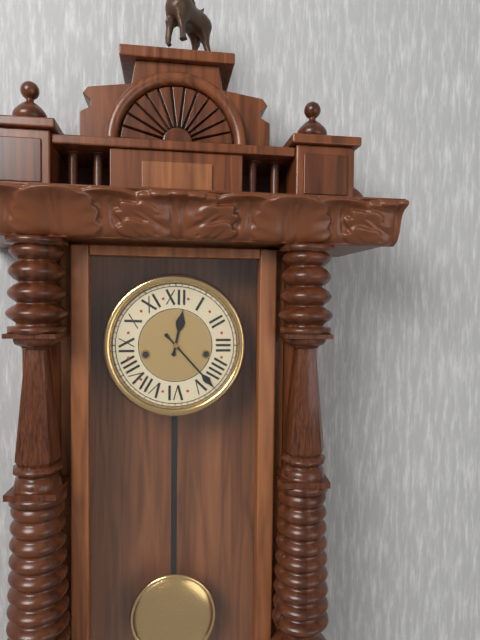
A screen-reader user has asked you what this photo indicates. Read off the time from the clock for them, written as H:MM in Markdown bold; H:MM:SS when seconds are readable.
**12:23**
